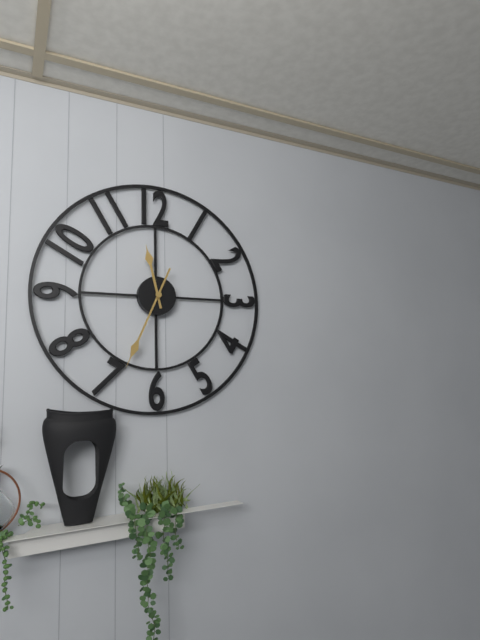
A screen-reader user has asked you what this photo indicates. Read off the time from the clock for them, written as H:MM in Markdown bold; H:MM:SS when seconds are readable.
**11:34**
